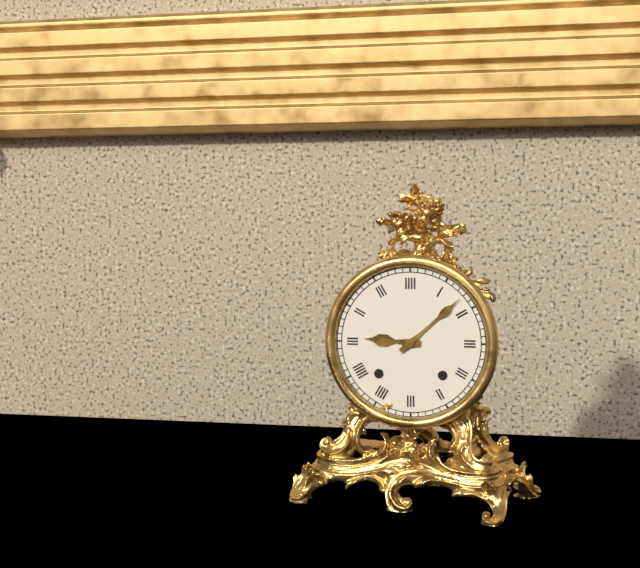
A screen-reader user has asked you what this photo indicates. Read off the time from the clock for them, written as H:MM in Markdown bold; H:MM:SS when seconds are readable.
**9:08**
